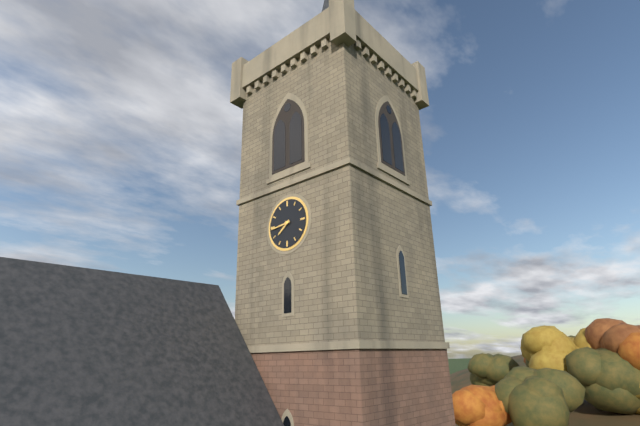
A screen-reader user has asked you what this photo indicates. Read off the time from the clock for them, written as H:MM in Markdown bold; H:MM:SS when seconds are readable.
**7:44**
